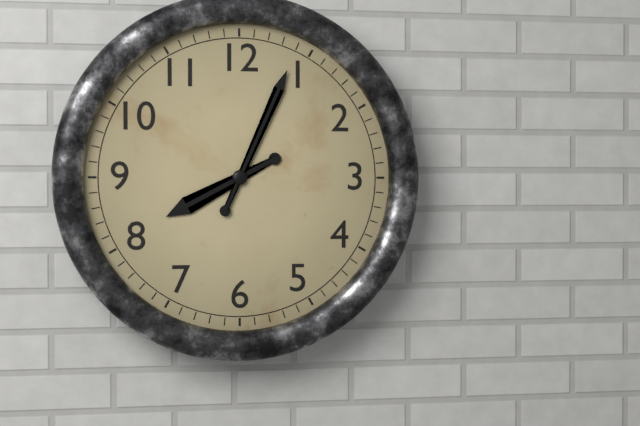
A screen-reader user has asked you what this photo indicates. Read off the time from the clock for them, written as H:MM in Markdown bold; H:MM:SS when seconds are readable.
**8:04**
